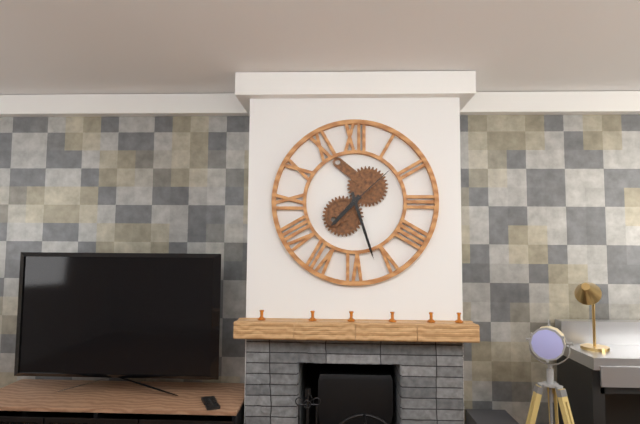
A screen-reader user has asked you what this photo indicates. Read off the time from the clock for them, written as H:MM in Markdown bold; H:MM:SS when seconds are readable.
**7:27:08**
